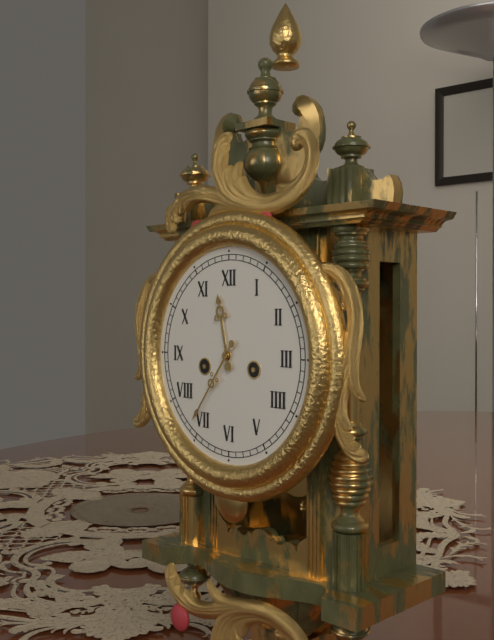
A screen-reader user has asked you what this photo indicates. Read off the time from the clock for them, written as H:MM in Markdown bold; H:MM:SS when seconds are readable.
**11:36**
